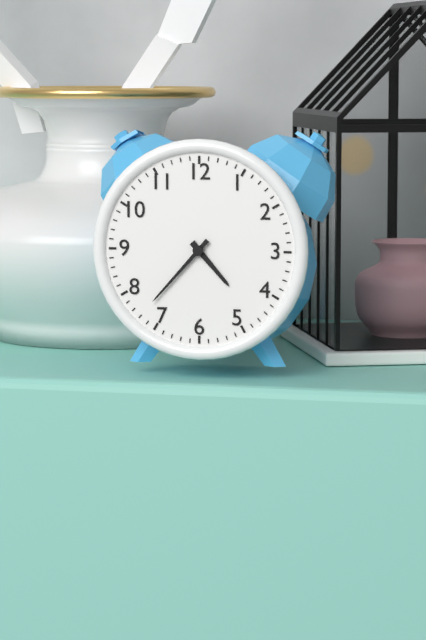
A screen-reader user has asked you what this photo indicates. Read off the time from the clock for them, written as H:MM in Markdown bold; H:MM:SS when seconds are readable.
**4:37**
